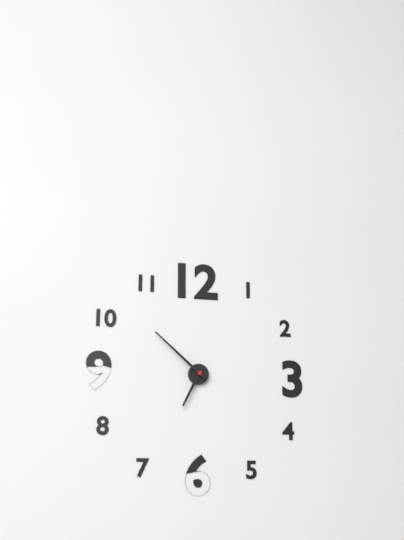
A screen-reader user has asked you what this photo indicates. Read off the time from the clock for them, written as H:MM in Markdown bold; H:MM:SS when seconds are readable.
**6:52**
